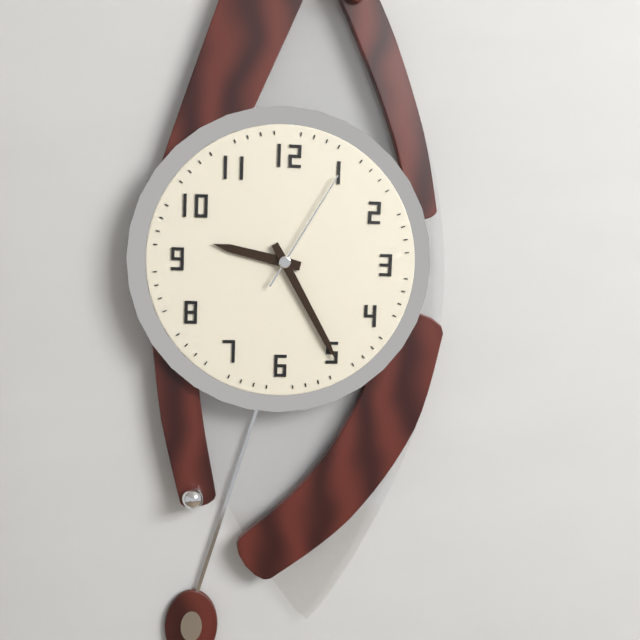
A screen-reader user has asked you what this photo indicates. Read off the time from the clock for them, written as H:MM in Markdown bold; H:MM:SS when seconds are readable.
**9:25:05**
